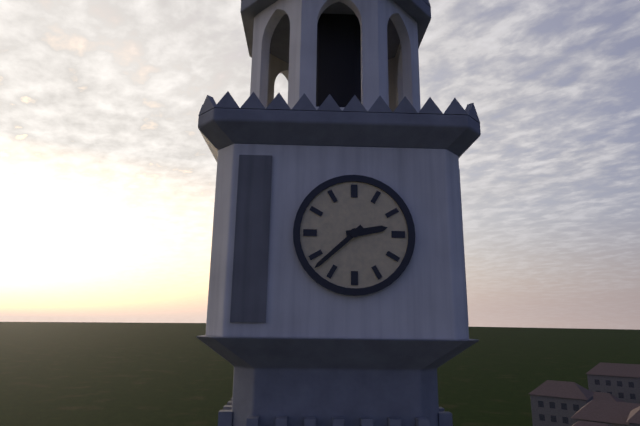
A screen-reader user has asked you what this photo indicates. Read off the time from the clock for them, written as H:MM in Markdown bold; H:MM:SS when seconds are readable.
**2:38**
